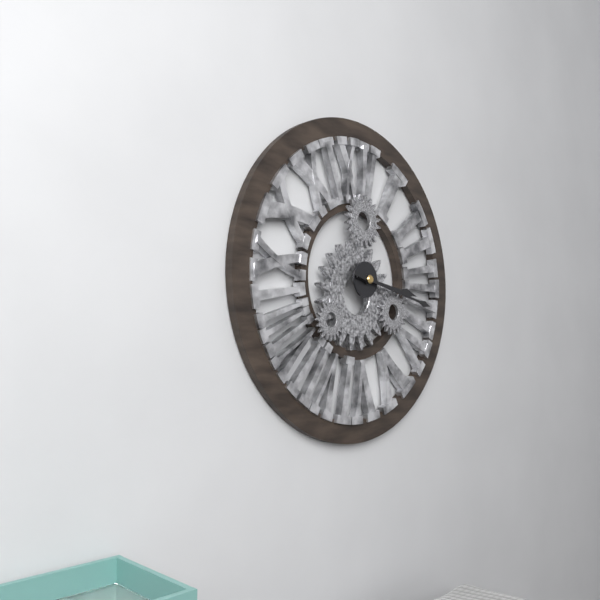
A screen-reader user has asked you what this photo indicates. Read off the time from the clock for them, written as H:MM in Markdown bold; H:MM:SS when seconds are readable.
**3:17**
